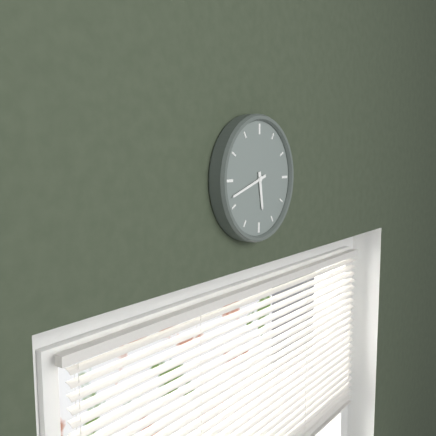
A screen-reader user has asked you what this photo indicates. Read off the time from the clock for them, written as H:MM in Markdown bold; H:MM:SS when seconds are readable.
**5:42**
